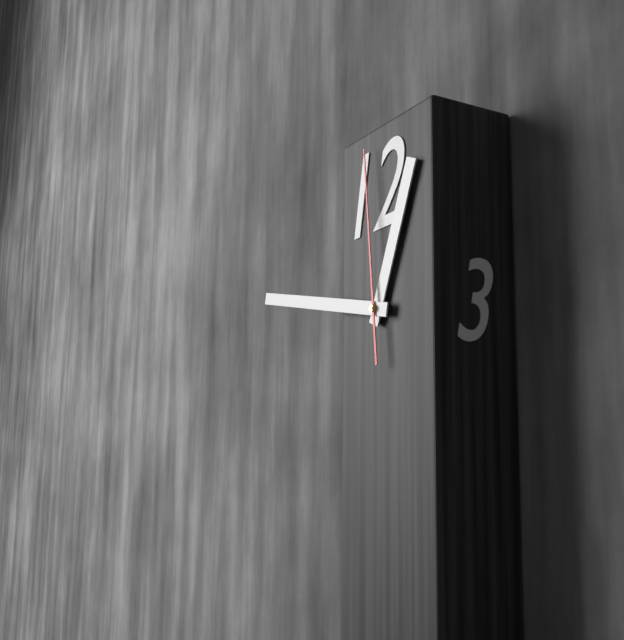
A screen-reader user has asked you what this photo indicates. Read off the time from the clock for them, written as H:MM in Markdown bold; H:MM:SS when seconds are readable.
**12:47:59**
